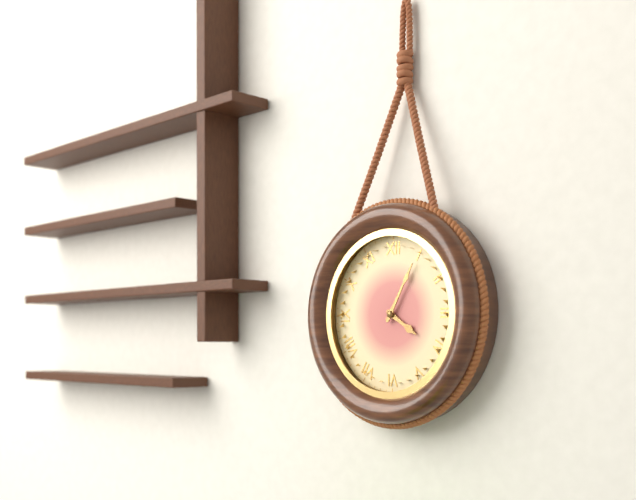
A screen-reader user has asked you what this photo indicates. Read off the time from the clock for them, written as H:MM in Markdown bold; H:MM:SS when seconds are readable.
**4:05**
